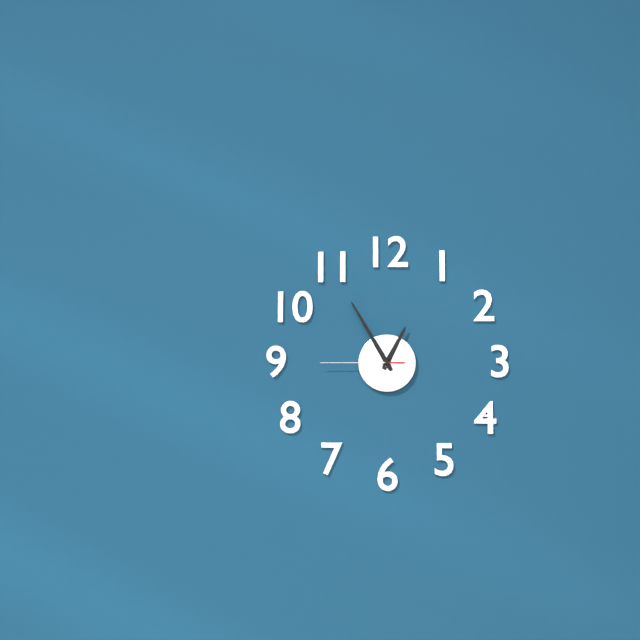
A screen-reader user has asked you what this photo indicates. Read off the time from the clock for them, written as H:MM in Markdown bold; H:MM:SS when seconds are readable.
**12:55:45**
